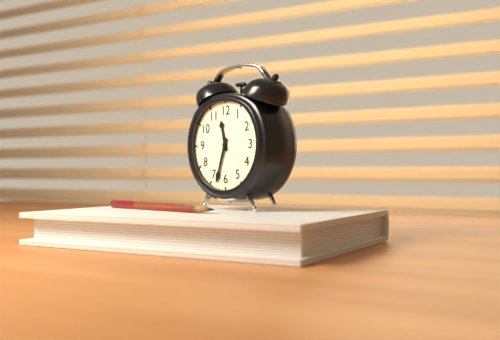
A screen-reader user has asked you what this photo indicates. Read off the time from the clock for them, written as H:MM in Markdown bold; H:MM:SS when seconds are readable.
**11:33**
